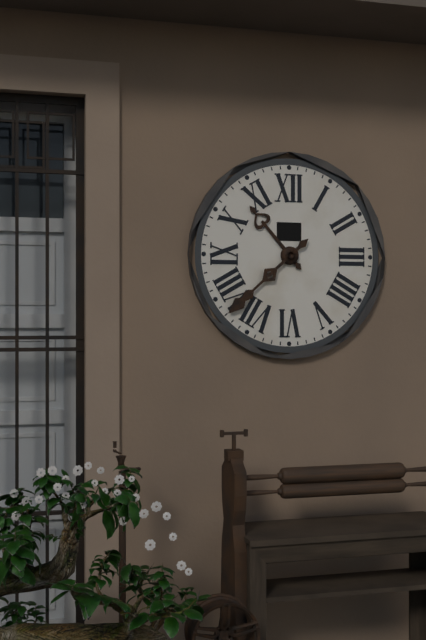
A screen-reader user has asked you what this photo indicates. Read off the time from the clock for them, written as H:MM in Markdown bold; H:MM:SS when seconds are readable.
**10:38**
